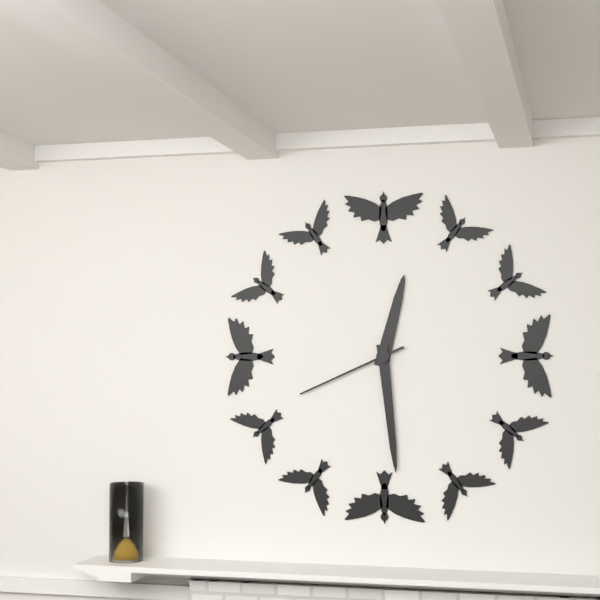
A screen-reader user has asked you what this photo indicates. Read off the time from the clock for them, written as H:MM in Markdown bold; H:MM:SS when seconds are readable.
**12:29:41**
